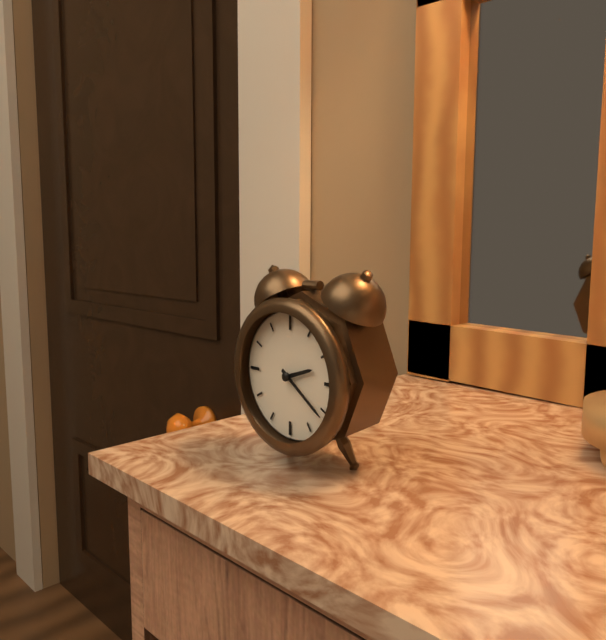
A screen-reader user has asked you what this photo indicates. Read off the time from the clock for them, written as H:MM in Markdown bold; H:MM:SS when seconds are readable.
**2:21**
